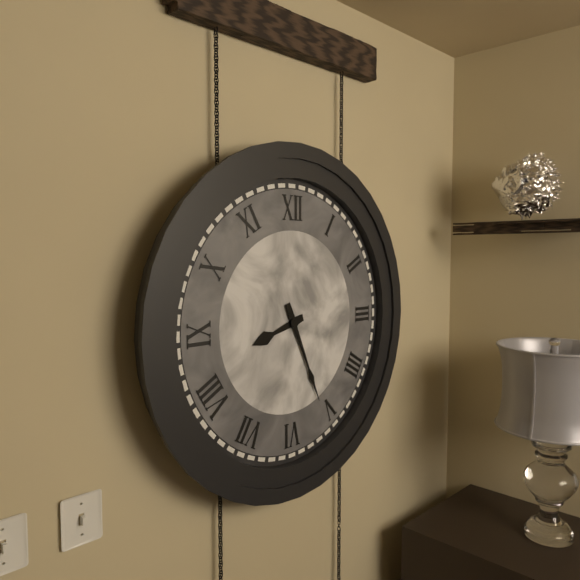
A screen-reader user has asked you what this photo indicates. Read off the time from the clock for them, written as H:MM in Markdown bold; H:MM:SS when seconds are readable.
**8:26**
